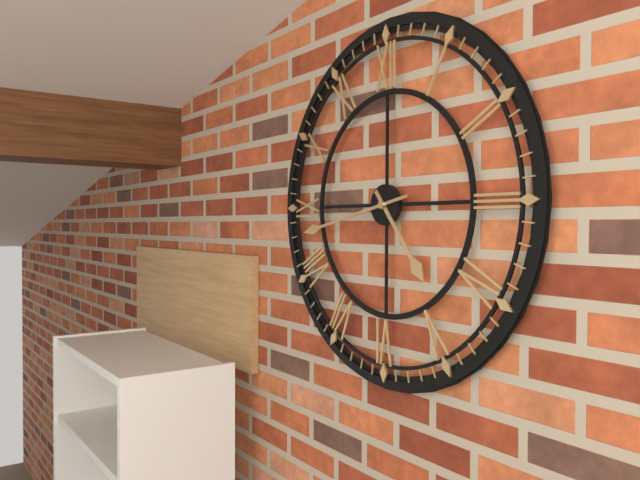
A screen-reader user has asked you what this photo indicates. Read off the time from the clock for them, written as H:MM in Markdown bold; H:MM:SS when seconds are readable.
**4:43**
